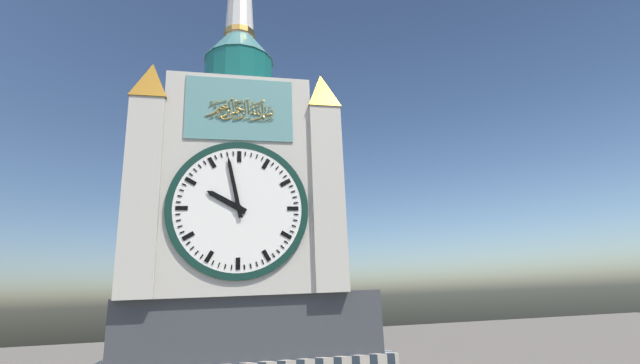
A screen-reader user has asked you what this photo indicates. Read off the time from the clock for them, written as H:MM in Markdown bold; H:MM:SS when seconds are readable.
**9:58**
